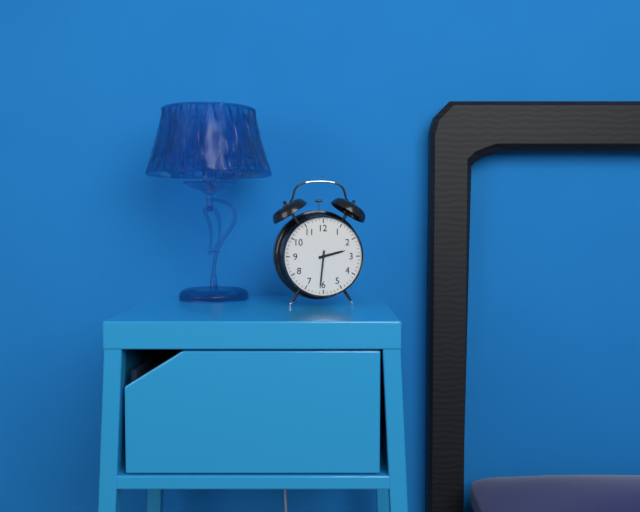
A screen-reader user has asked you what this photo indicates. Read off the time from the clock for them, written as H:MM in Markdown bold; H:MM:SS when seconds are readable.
**2:31**
